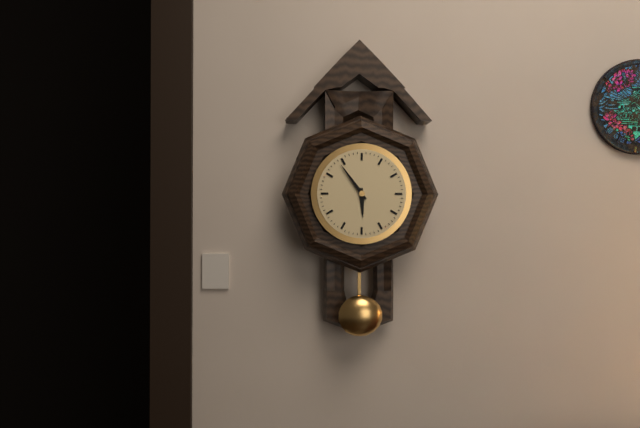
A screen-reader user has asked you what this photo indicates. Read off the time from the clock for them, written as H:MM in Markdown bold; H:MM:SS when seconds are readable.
**5:54**
